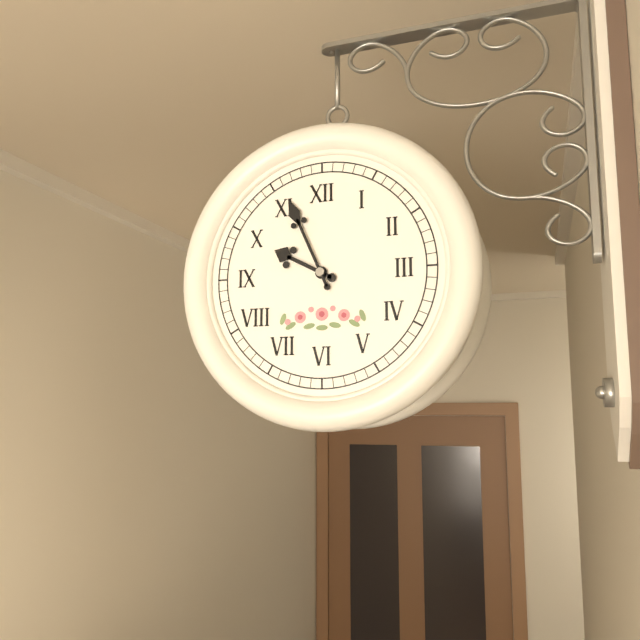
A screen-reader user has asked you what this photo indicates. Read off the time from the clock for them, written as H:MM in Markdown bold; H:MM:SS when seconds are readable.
**9:56**
